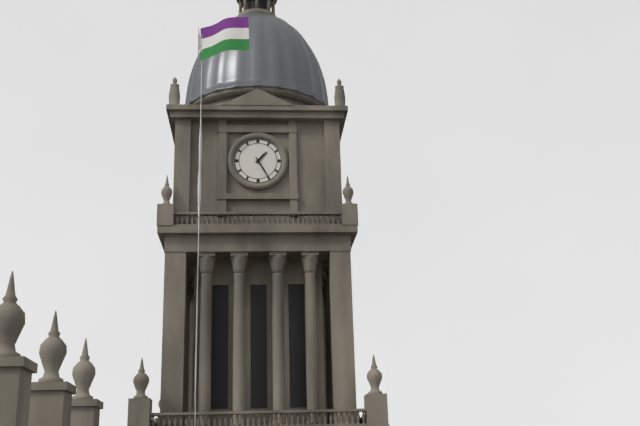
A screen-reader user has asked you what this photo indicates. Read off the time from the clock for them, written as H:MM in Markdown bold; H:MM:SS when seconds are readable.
**1:25**
